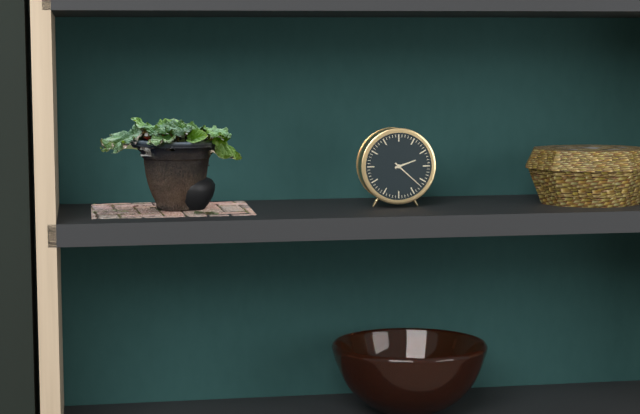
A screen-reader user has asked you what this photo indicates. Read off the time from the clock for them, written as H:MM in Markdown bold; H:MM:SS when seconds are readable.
**2:22**
